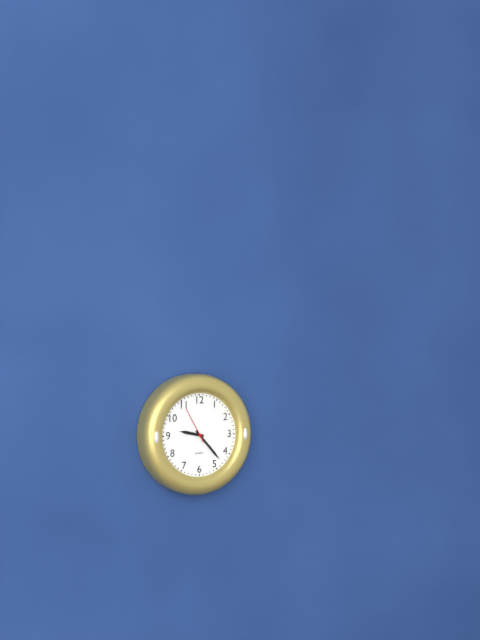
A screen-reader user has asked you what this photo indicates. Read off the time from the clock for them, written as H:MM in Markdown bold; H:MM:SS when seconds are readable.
**9:23**
